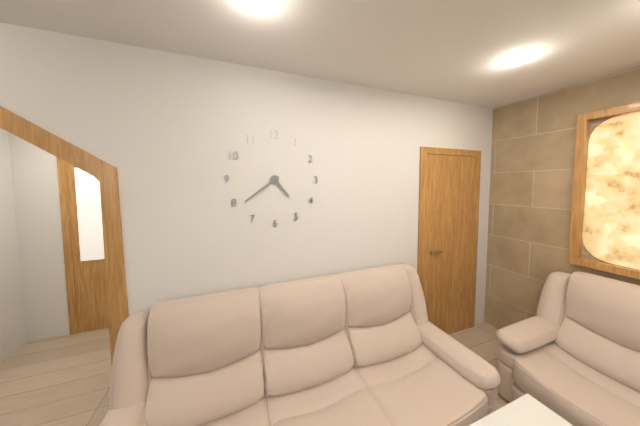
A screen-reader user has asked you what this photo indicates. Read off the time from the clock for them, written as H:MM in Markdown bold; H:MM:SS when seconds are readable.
**4:39**
